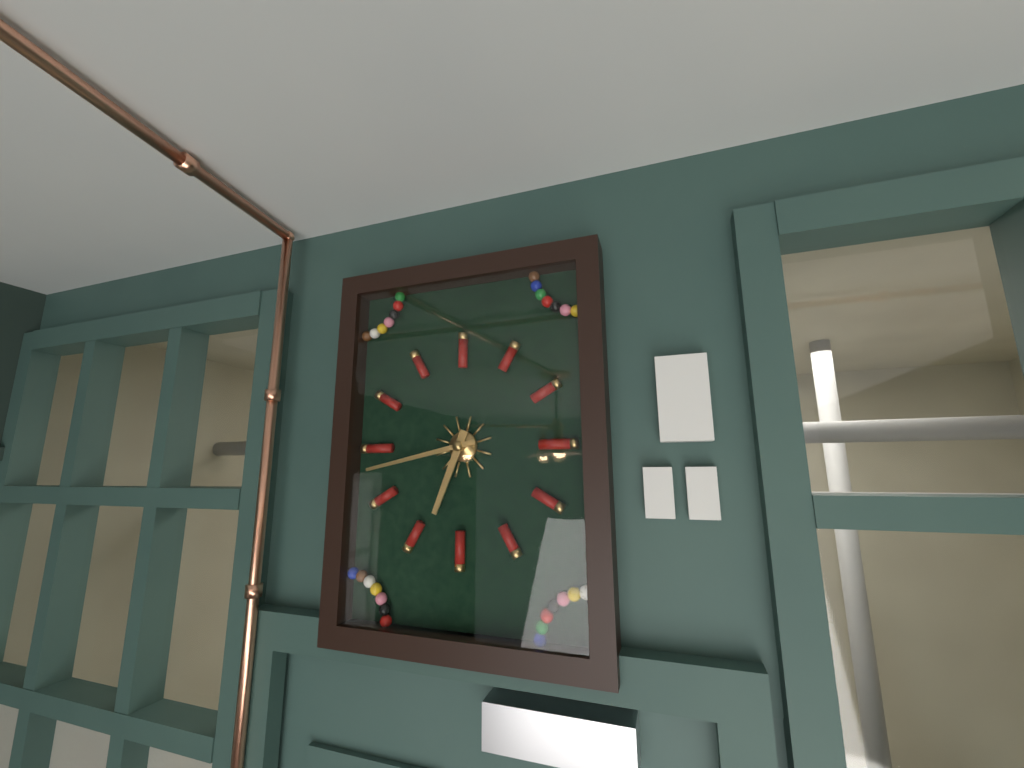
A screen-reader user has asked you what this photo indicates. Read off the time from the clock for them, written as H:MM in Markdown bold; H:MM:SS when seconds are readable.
**6:43**
